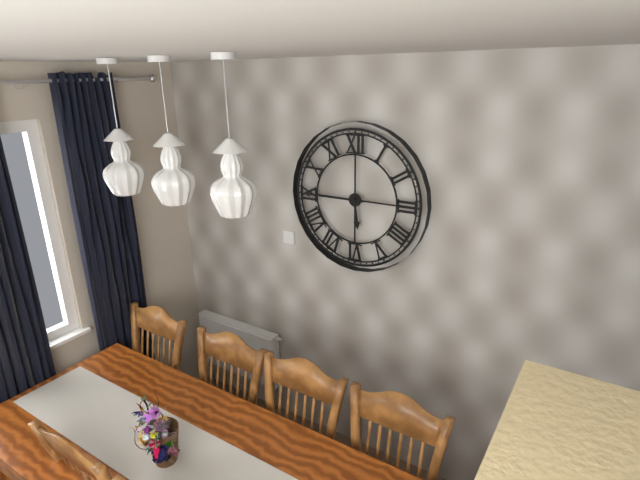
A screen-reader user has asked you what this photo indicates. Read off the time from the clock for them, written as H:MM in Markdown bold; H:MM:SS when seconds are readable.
**5:45**
